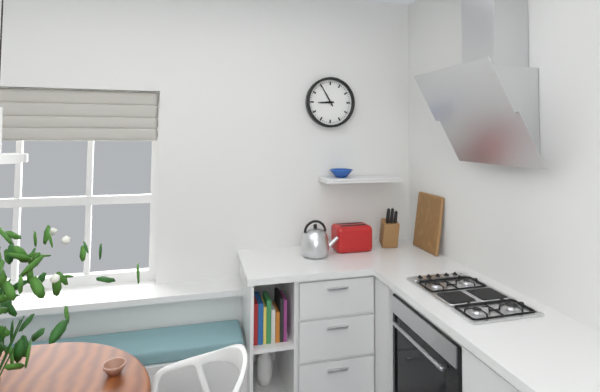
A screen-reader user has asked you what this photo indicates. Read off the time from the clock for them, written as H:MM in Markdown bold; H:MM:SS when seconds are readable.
**8:55**
